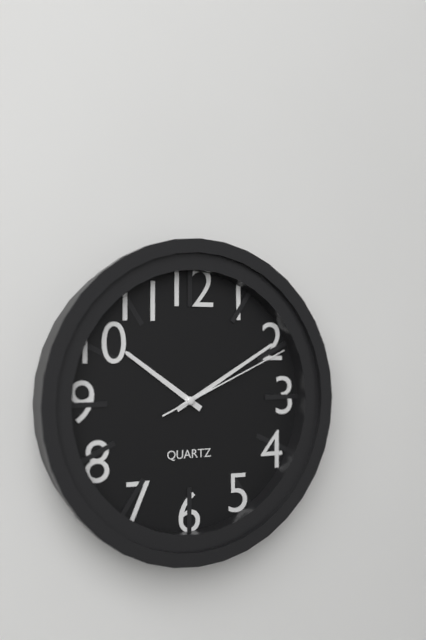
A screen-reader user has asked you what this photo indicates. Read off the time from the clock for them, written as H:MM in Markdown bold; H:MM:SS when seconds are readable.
**10:10:11**
